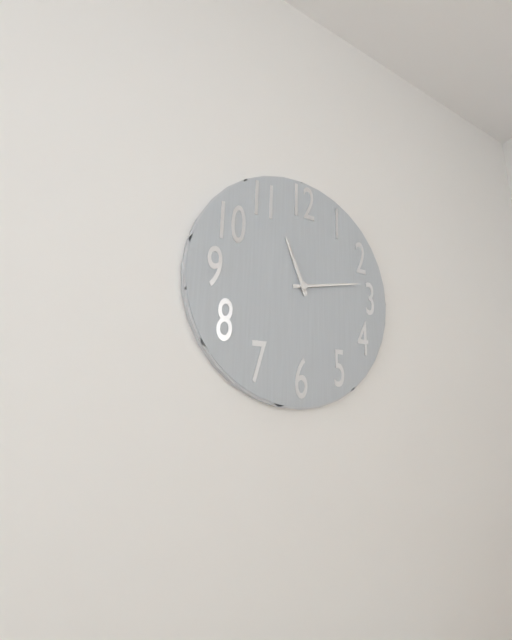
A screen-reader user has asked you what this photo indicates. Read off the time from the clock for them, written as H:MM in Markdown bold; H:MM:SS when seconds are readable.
**11:13**
